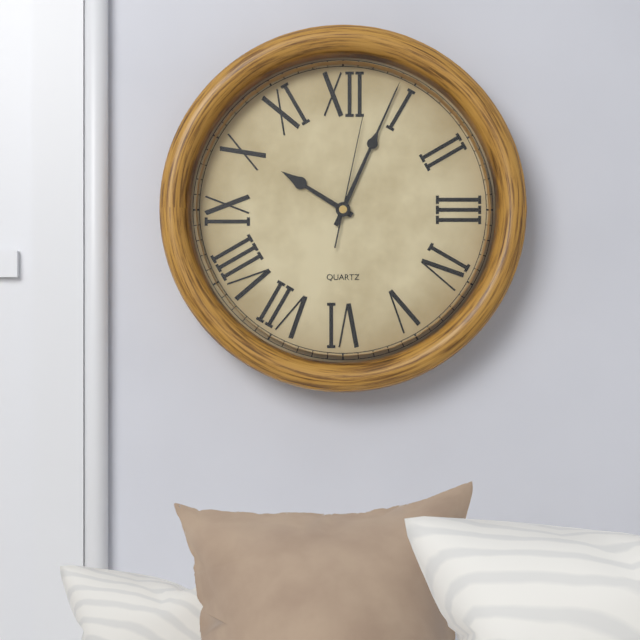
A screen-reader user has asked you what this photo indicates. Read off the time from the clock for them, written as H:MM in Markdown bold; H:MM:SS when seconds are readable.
**10:04:02**
